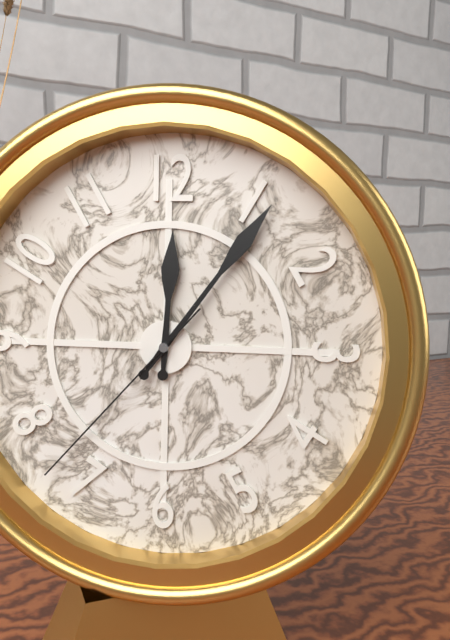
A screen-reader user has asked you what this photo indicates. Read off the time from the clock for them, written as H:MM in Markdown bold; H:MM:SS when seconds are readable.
**12:06:37**
